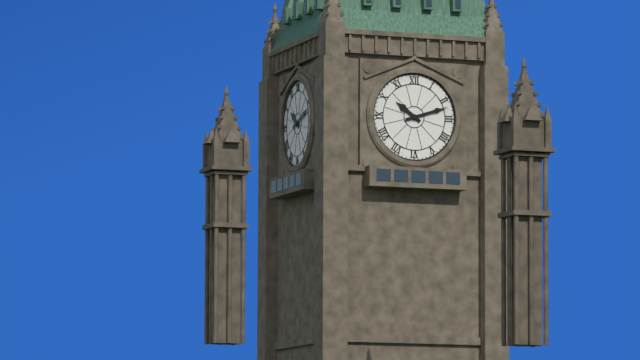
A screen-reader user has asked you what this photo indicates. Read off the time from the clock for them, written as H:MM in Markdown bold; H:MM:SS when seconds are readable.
**10:12**
